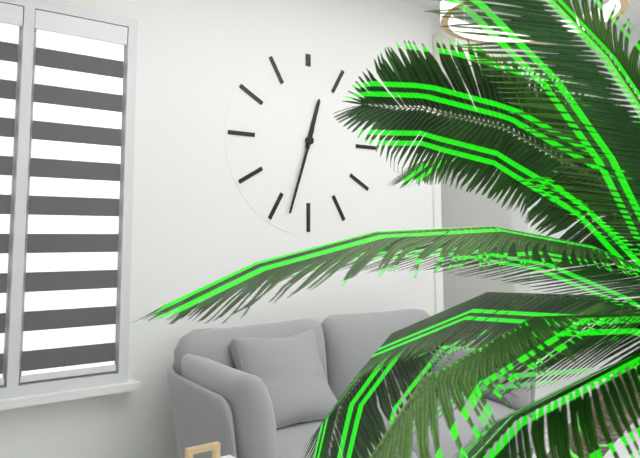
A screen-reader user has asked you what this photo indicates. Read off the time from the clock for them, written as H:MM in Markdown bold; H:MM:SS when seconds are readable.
**12:33**
